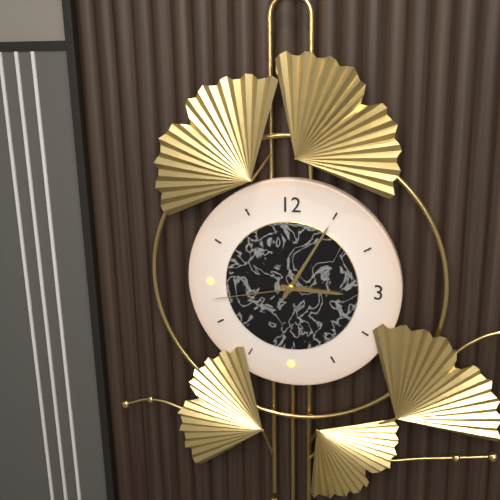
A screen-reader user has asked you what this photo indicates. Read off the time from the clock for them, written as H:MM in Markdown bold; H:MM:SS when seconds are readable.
**3:05:43**
